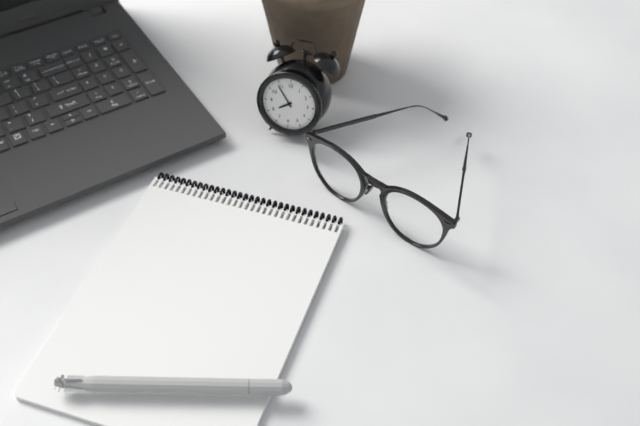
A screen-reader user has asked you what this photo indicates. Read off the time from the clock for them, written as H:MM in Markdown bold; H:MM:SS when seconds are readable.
**7:54**
